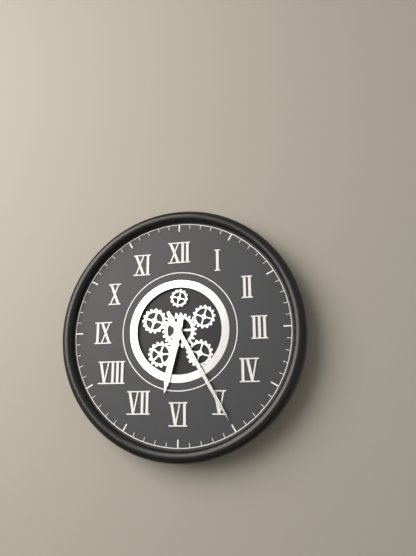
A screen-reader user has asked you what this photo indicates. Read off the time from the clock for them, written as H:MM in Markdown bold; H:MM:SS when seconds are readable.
**6:25**
